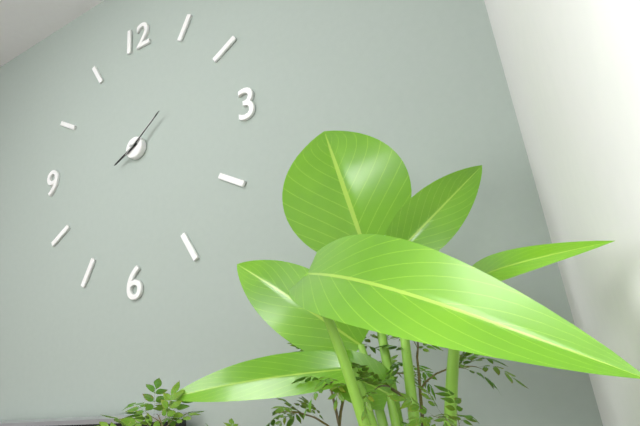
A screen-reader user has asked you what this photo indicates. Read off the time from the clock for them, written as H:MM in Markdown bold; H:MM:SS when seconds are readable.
**8:09**
